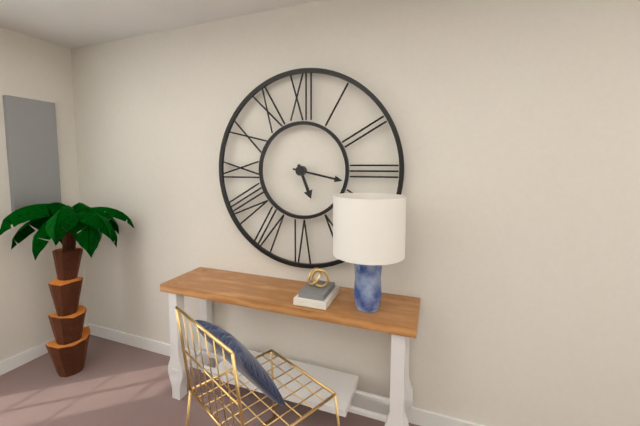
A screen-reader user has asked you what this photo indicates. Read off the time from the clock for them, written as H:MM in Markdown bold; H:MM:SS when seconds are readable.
**5:17**
